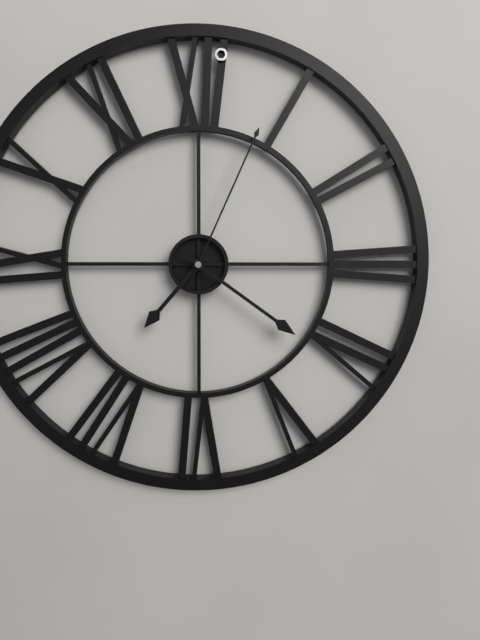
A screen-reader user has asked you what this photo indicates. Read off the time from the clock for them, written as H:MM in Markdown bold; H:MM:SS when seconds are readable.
**7:21:04**
